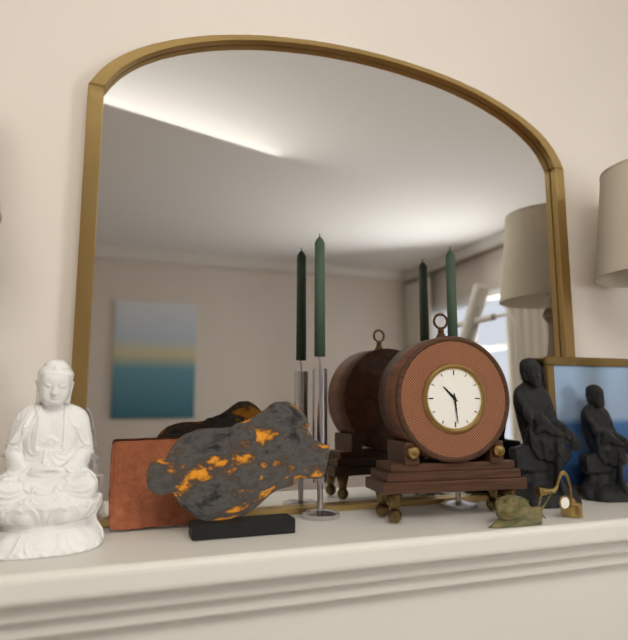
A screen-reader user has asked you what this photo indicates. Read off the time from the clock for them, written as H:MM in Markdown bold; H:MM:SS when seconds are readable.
**10:29**
